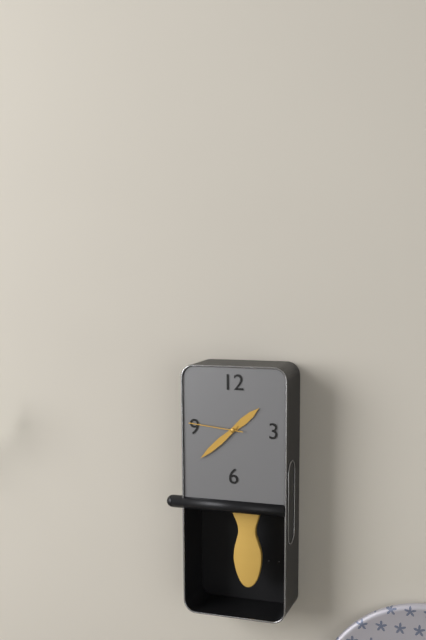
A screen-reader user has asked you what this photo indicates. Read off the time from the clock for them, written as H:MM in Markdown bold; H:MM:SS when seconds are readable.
**1:38:46**
